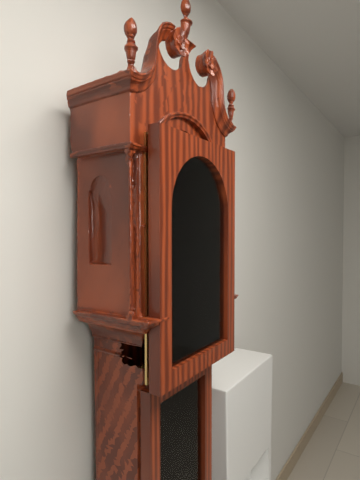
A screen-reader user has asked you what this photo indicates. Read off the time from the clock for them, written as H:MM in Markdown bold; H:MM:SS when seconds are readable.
**3:57**
